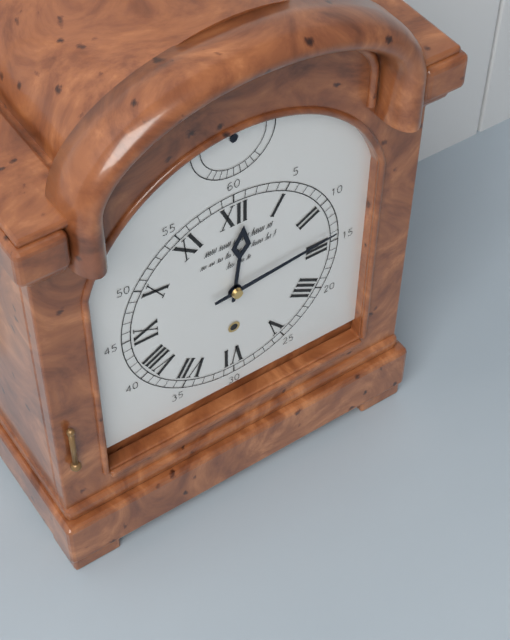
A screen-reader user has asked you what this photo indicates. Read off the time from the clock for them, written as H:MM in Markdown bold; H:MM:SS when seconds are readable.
**12:14**
